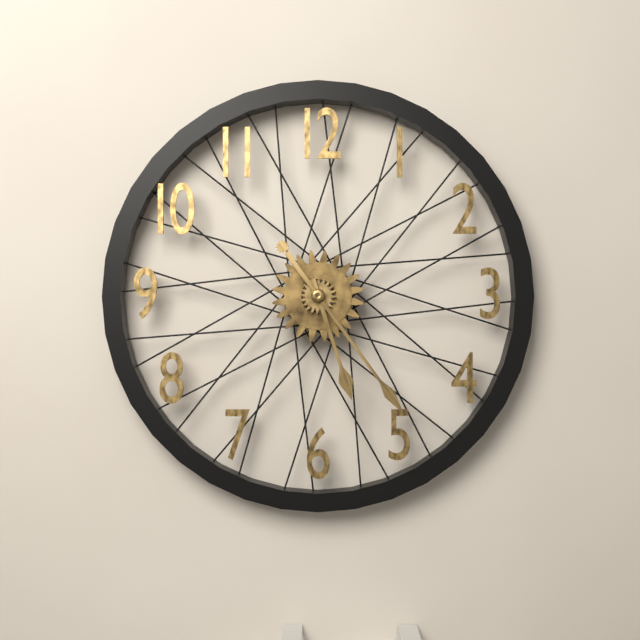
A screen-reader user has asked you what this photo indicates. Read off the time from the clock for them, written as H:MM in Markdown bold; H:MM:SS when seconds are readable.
**5:24**
